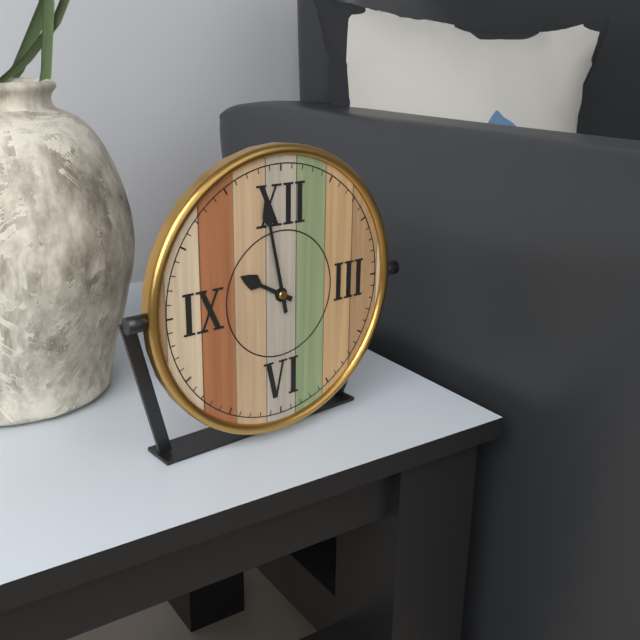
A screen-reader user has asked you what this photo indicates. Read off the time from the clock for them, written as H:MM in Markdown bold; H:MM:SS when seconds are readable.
**9:58**
